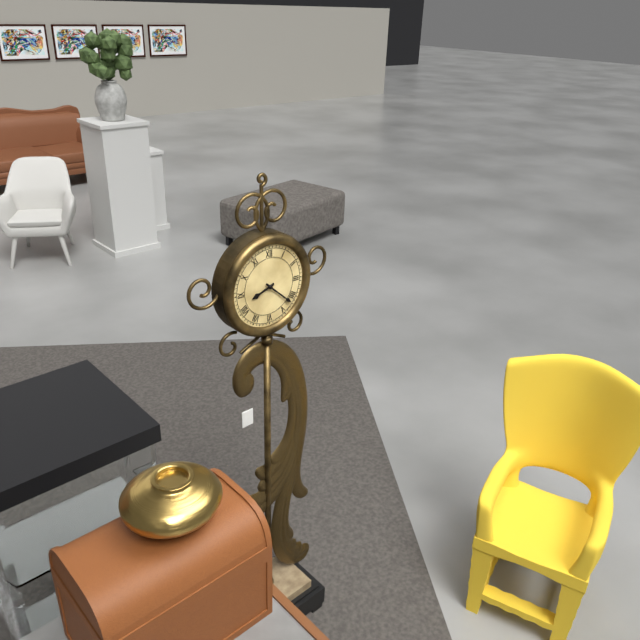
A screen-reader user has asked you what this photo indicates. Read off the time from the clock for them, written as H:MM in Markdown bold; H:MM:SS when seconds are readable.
**8:22**
